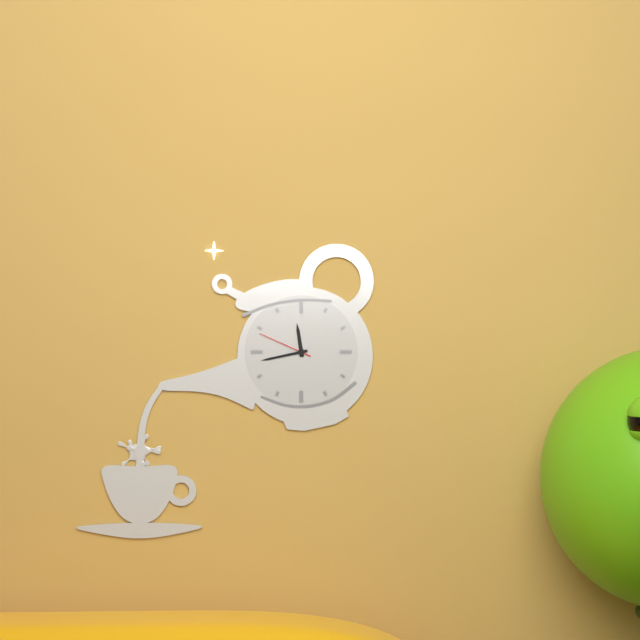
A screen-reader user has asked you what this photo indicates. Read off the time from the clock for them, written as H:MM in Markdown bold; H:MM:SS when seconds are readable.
**11:43:49**
